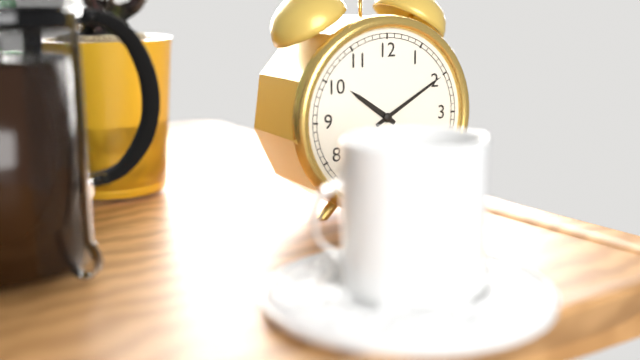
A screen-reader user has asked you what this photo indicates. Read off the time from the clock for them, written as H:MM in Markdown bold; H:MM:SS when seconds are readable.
**10:10**
